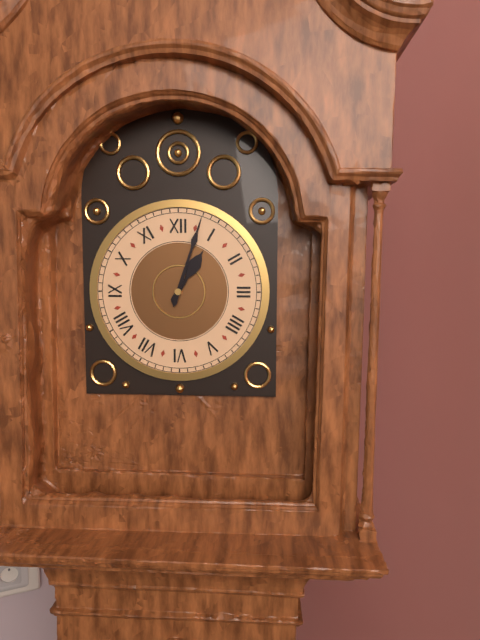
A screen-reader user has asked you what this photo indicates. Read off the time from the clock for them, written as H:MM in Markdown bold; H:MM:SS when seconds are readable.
**1:03**
